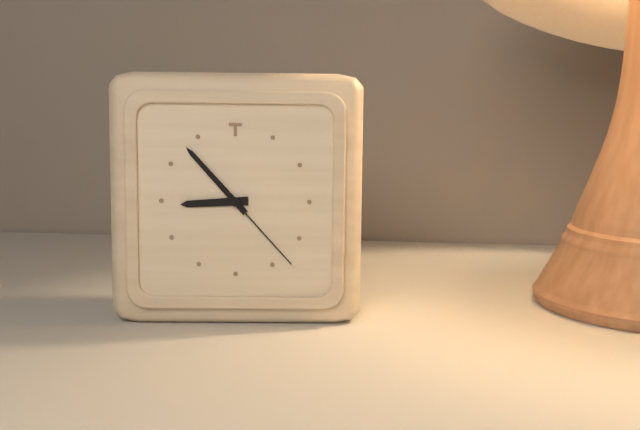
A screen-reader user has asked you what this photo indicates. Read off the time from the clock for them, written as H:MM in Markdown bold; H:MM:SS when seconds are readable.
**8:53:23**
